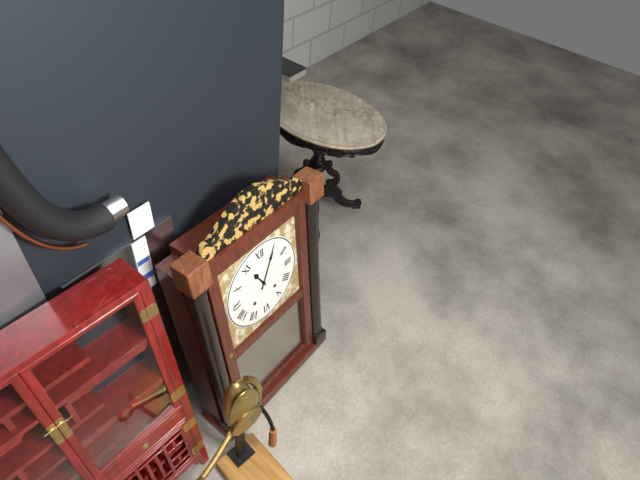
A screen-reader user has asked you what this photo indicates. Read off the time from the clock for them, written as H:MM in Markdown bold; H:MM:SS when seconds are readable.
**11:05**
